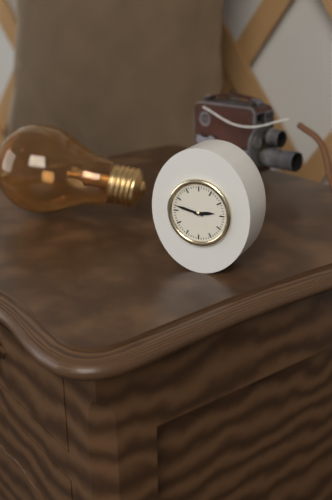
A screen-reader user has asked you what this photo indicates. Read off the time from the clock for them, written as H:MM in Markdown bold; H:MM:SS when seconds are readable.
**2:47**
